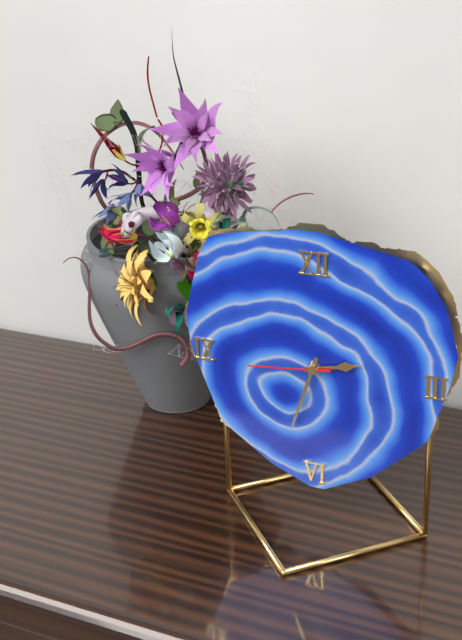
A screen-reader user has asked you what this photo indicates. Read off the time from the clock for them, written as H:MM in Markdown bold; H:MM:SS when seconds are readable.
**2:33:44**
